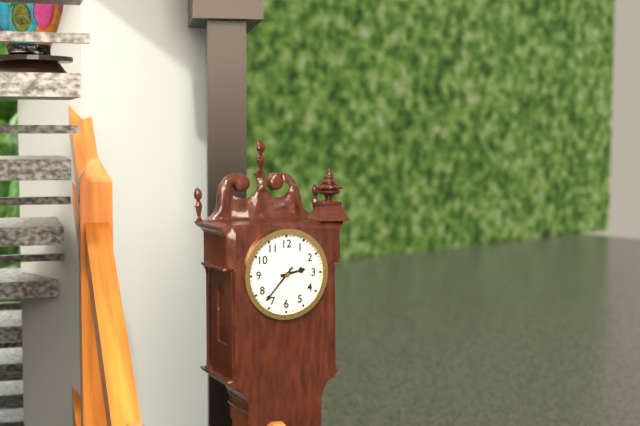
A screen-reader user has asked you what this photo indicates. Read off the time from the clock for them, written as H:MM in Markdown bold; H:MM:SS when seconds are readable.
**2:37**
